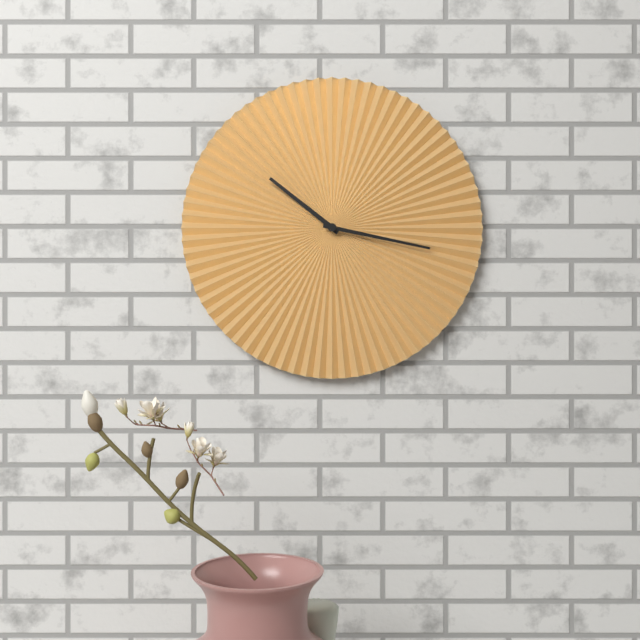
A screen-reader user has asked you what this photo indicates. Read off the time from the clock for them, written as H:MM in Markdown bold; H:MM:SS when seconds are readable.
**10:17**
